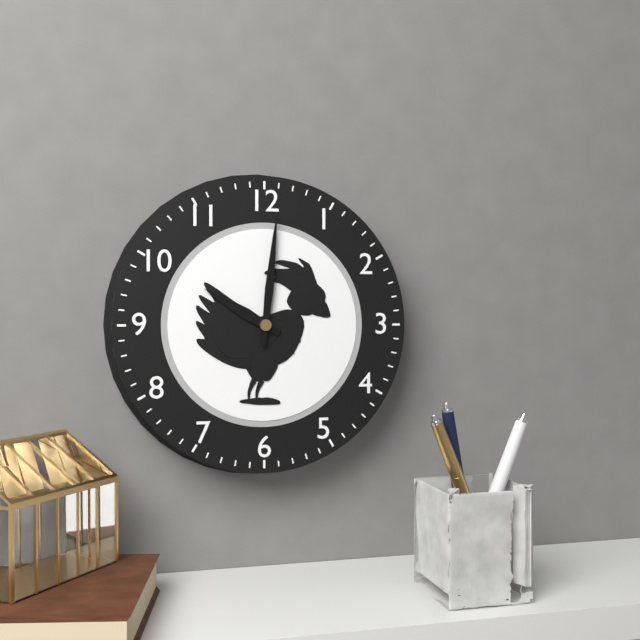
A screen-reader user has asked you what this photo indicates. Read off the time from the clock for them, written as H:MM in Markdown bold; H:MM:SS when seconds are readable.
**10:01**
